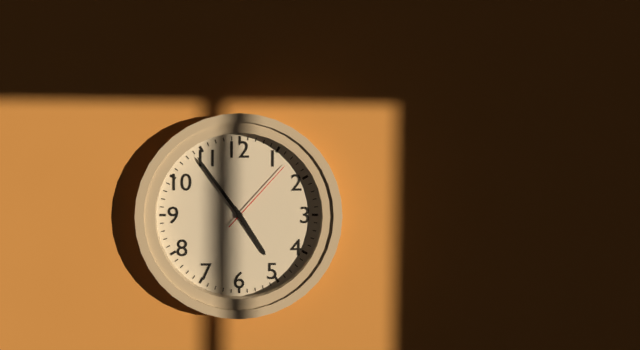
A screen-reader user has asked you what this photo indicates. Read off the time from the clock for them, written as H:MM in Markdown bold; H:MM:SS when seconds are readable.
**4:54:07**
